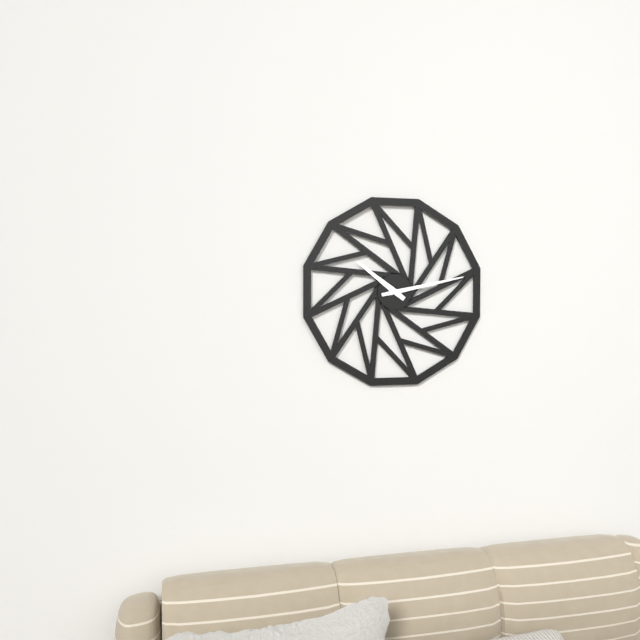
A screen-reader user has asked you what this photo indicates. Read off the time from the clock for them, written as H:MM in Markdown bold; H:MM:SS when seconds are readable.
**10:13**
